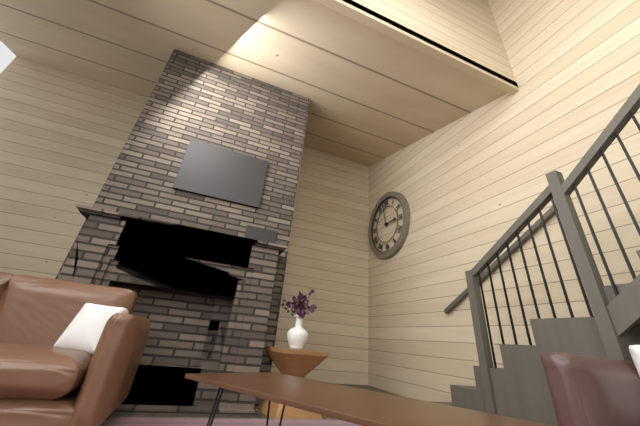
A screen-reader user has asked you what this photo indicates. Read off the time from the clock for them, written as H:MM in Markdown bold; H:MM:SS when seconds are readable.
**2:58**
